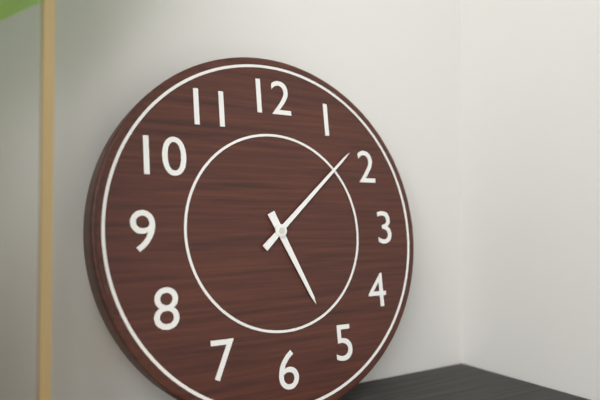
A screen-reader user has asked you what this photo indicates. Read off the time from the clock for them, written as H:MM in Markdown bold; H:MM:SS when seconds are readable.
**5:08**
